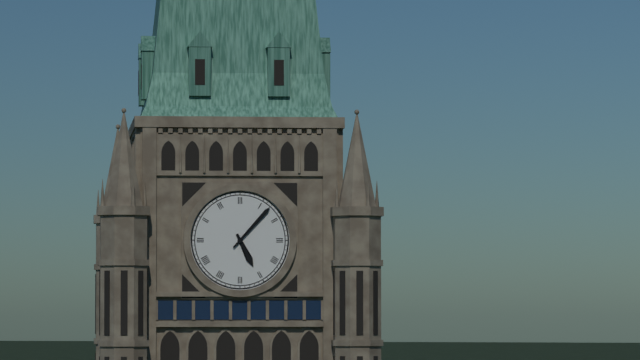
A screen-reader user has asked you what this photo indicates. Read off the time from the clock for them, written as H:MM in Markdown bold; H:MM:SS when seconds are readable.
**5:07**
